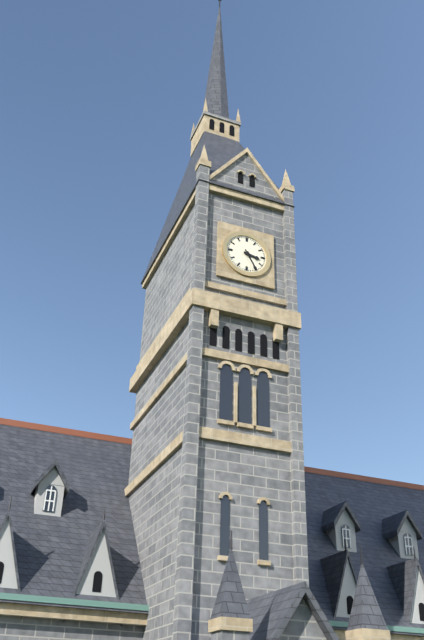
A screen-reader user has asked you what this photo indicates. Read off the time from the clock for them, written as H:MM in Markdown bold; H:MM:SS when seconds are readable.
**3:25**
